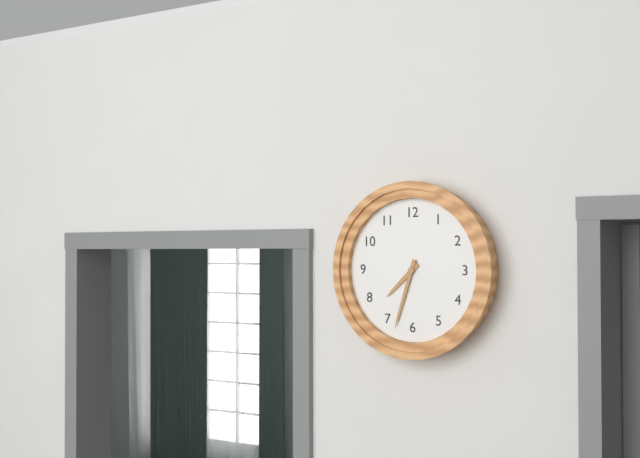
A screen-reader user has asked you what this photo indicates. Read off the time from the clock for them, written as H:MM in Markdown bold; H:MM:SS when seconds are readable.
**7:33**
